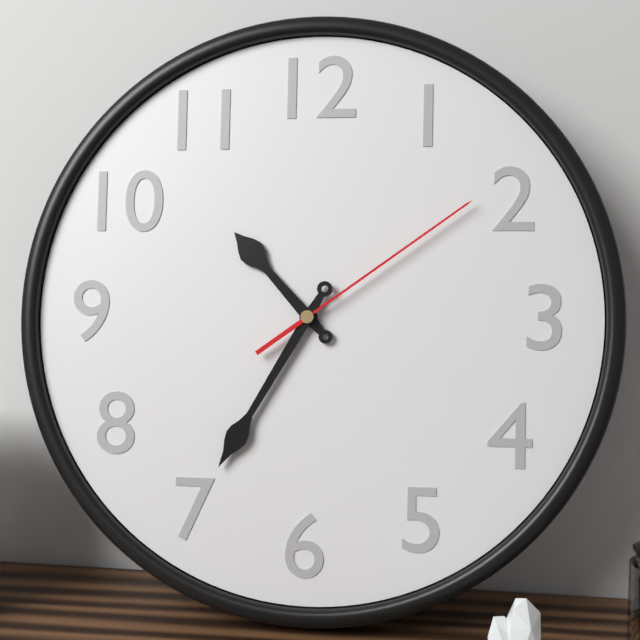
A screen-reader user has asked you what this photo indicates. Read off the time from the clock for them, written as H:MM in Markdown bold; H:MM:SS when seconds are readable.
**10:35:09**
